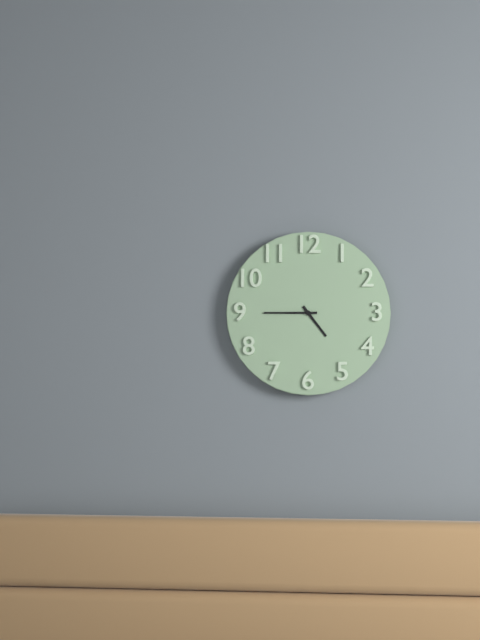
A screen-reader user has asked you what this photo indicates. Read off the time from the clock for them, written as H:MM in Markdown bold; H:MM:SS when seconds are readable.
**4:45**
